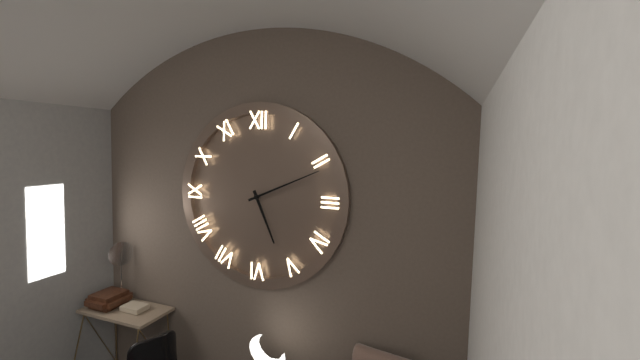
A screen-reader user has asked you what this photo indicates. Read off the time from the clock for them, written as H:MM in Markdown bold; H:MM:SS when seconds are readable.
**5:11**
